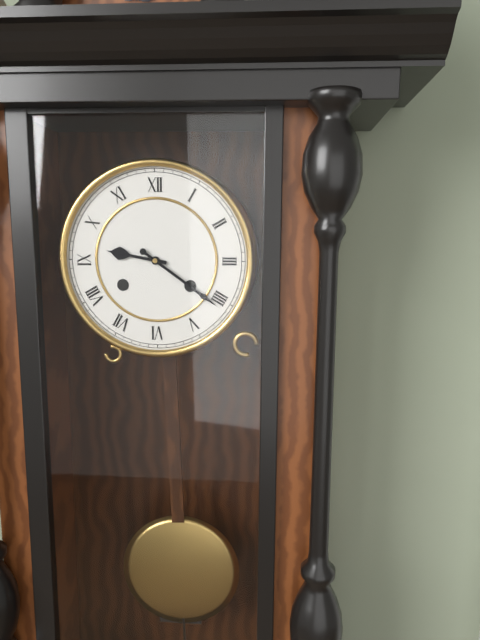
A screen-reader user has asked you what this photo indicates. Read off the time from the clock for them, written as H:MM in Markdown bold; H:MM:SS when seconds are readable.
**9:21**
